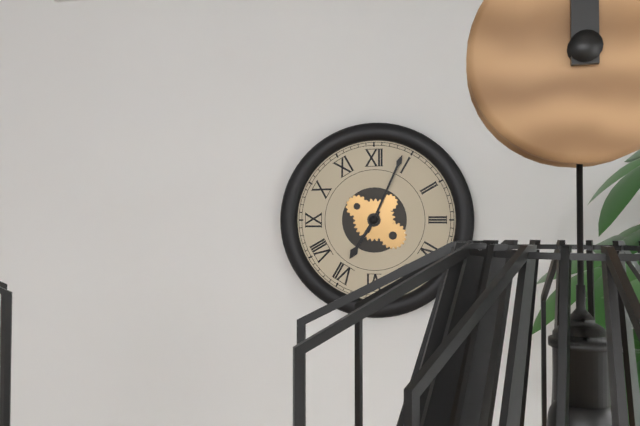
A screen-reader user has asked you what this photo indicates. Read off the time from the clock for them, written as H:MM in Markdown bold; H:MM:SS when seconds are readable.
**7:04**
